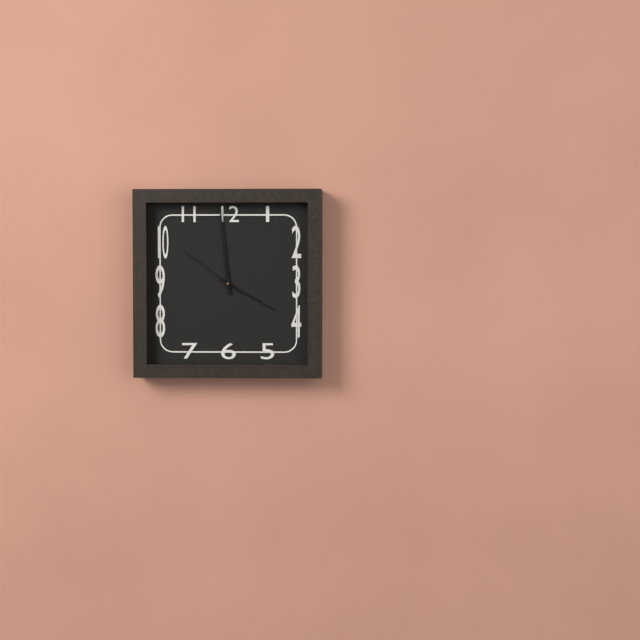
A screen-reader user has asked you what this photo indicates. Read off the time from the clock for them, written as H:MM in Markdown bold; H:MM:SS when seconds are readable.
**3:59:51**
